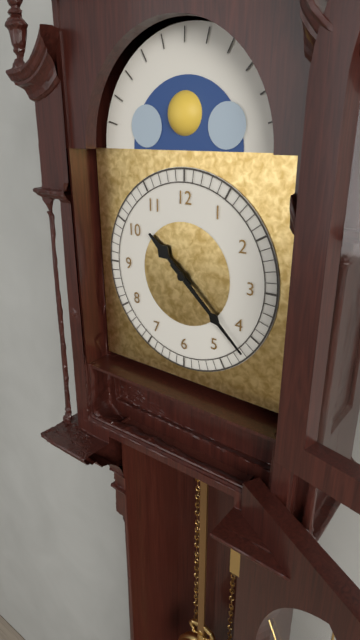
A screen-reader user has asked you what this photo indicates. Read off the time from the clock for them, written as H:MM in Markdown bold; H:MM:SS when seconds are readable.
**10:22**
